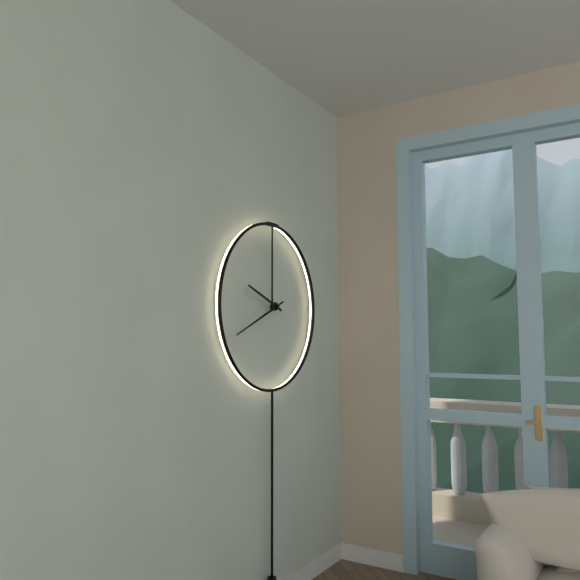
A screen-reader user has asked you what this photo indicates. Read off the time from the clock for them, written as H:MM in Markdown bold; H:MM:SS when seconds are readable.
**9:41**
